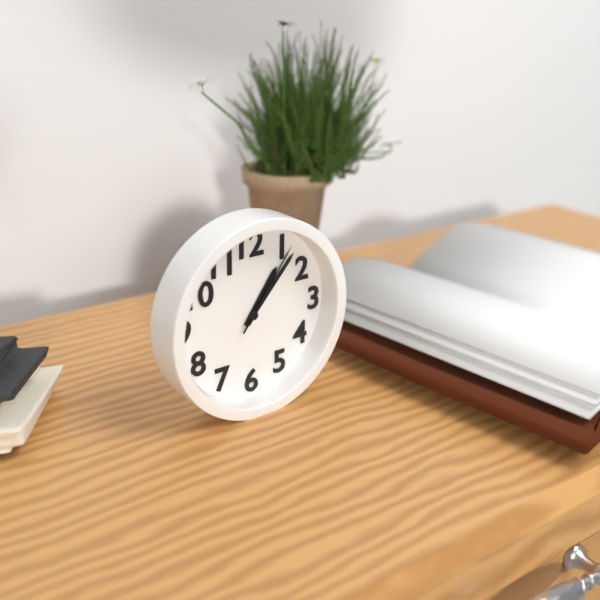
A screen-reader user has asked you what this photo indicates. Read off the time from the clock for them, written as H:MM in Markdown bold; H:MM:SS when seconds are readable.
**1:07:06**
